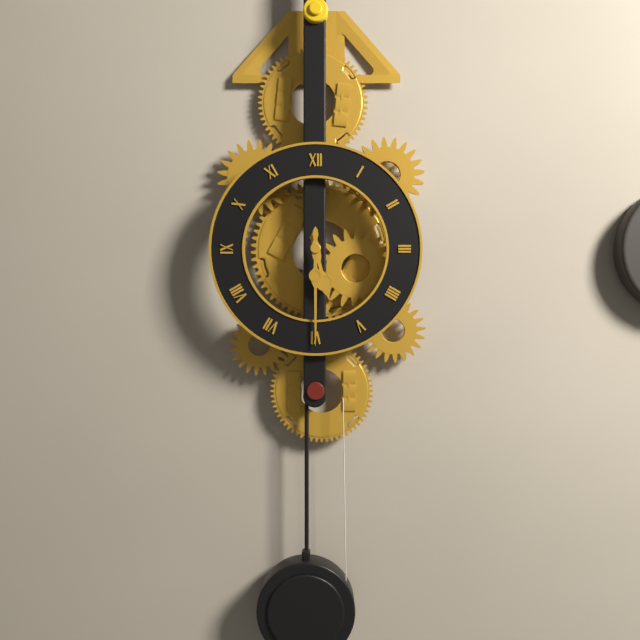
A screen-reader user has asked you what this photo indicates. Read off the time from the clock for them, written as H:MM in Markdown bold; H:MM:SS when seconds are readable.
**5:30**
